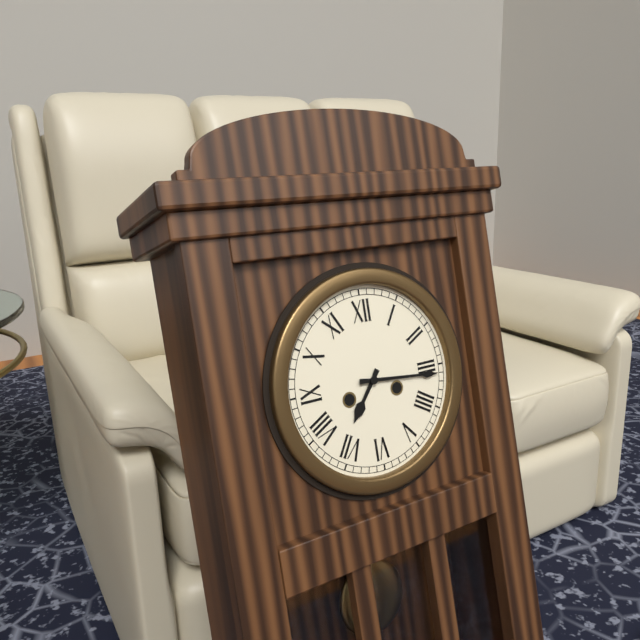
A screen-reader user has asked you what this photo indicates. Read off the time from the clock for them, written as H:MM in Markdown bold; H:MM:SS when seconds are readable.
**7:16**
